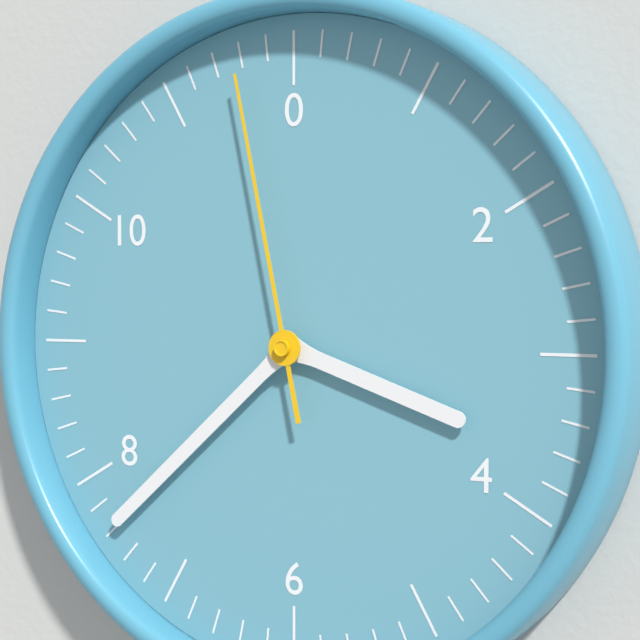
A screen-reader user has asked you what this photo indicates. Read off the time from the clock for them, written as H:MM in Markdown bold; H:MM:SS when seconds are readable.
**3:38:58**
